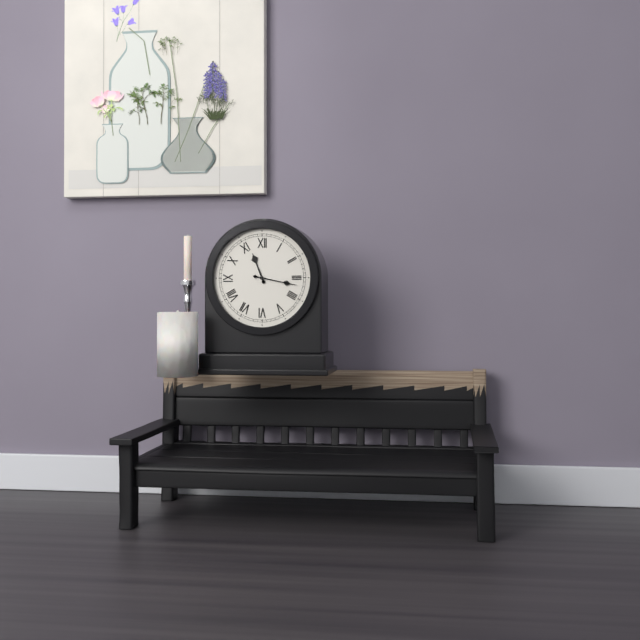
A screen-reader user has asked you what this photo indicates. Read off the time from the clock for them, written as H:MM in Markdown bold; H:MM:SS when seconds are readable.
**11:17**
